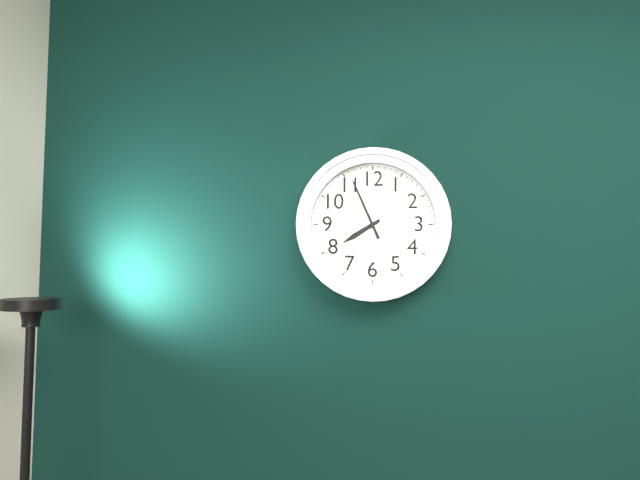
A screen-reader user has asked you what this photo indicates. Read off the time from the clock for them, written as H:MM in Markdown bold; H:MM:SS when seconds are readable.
**7:56**
